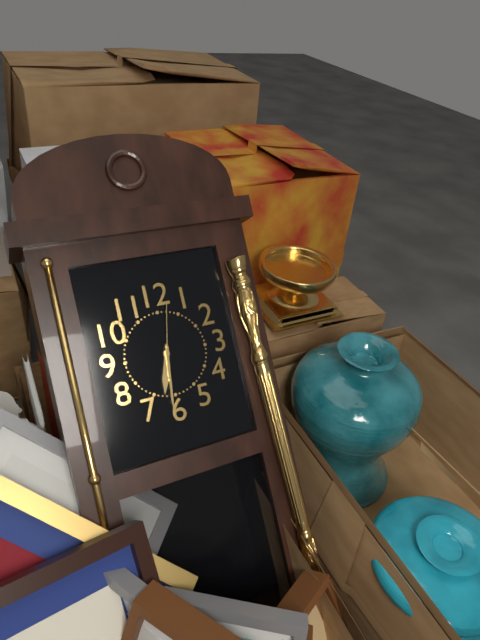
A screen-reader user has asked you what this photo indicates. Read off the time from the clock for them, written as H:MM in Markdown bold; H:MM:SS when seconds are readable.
**6:31:02**
